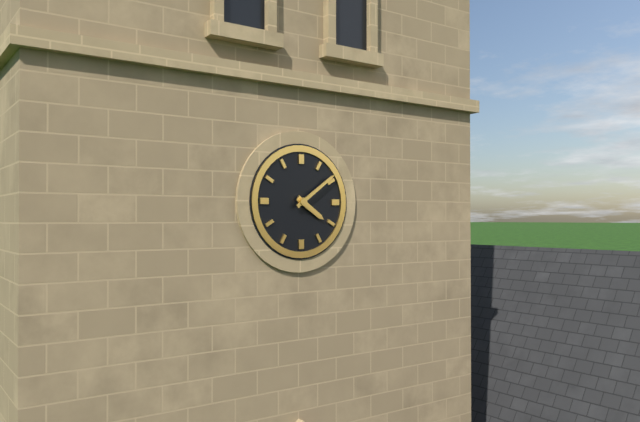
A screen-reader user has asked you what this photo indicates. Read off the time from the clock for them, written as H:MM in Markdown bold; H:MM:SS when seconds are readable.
**4:09**
